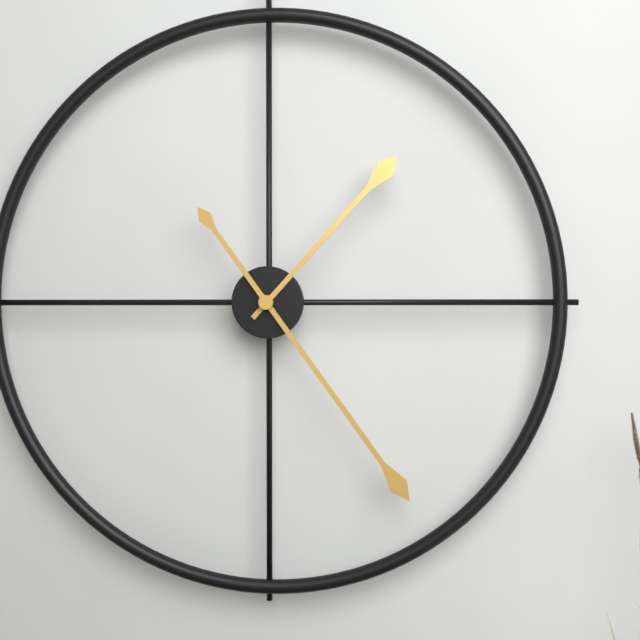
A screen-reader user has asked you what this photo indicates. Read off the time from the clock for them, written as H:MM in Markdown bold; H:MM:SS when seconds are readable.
**1:24**
